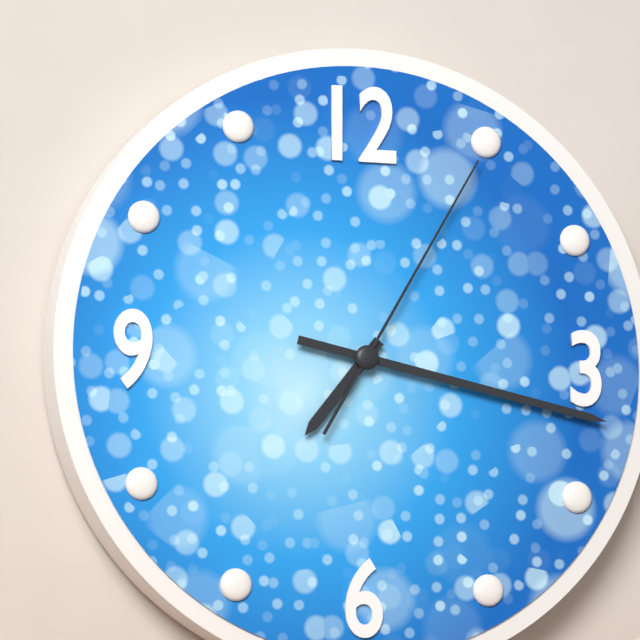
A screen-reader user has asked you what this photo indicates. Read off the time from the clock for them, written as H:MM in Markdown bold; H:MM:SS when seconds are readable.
**7:17:05**
